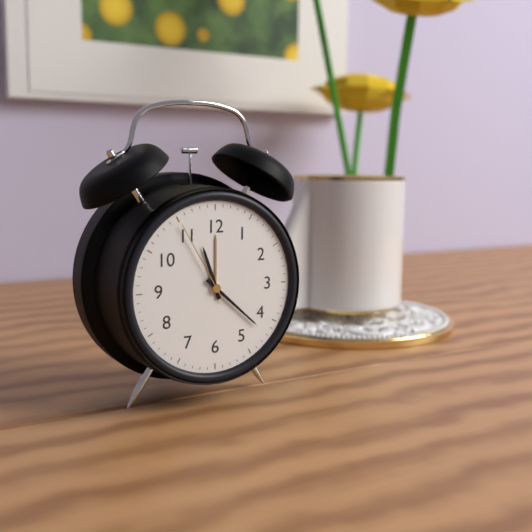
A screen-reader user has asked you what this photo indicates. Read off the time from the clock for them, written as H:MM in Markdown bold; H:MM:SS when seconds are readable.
**11:22:55**
